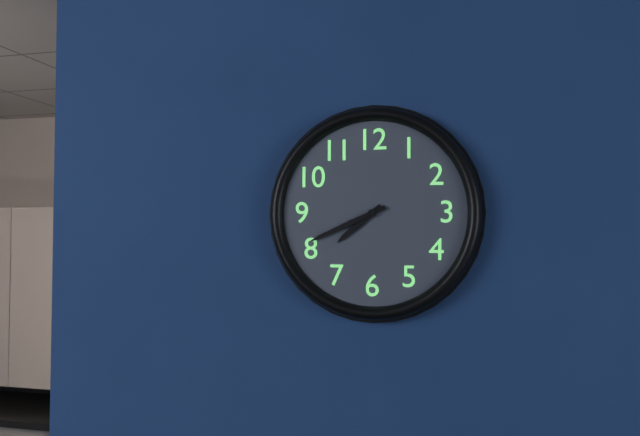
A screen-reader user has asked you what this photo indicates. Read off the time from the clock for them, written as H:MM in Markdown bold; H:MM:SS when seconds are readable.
**7:41**
